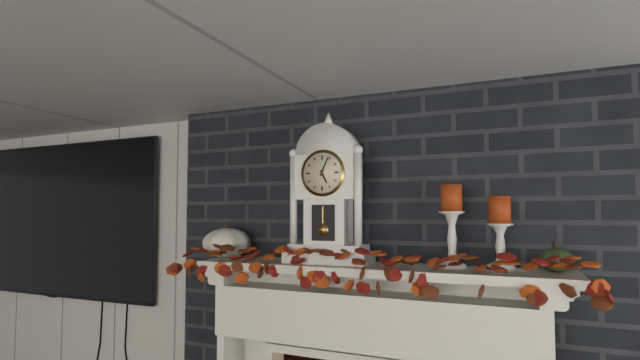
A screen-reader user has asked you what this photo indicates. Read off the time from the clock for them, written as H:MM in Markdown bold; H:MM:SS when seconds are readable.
**5:04**
